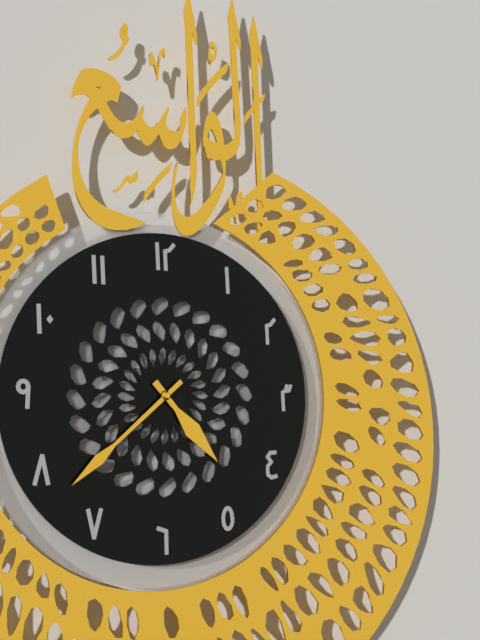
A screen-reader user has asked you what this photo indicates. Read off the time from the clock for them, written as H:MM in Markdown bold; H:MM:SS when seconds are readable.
**4:38**
